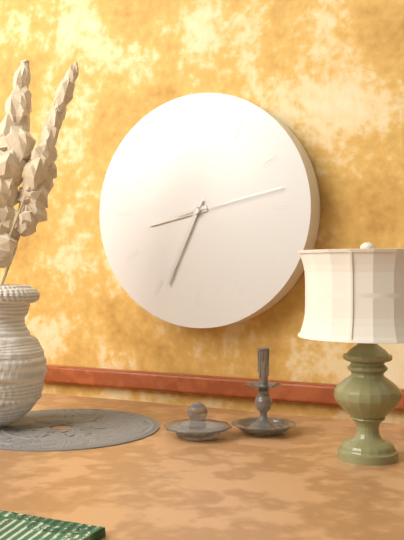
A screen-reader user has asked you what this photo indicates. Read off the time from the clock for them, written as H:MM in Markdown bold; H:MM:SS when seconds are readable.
**8:34:13**
